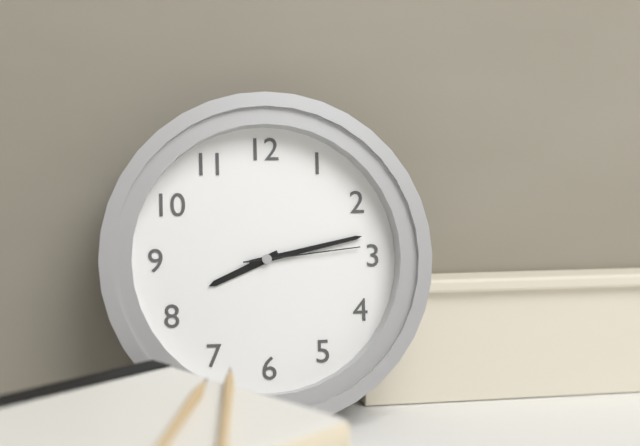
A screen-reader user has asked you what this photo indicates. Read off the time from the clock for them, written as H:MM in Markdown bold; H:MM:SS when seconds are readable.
**8:13:14**
